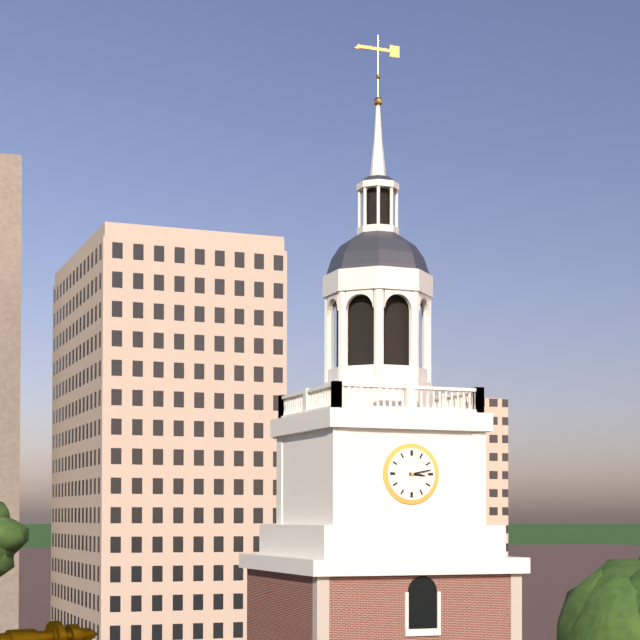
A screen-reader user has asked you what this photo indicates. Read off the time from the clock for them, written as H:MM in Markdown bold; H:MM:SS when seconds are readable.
**3:13**
